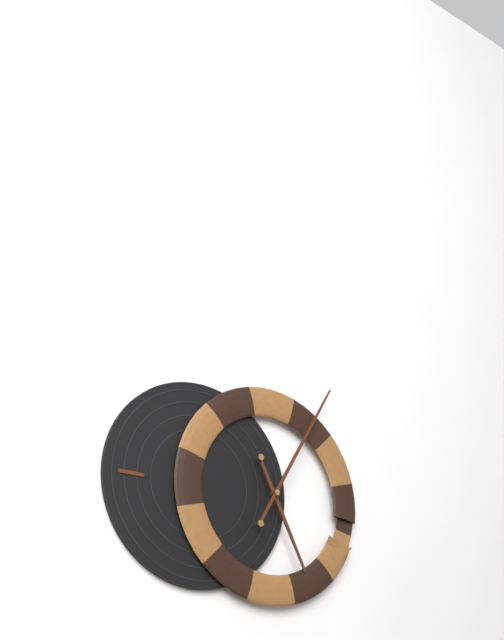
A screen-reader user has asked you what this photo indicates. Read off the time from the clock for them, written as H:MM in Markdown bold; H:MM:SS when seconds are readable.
**5:05**
